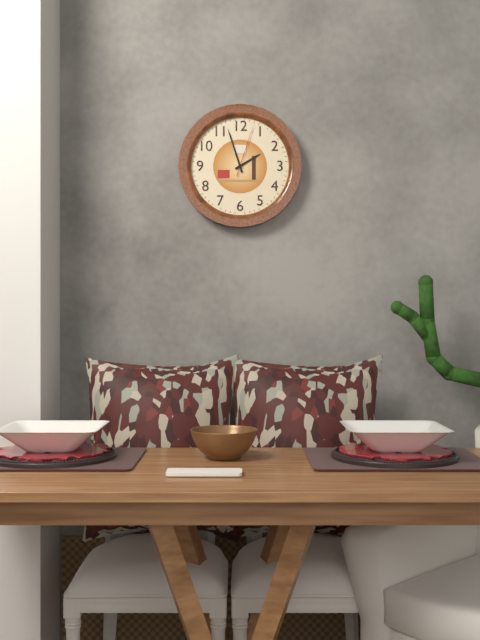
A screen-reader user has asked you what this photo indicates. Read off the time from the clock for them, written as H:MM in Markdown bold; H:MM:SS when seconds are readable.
**1:57:03**
